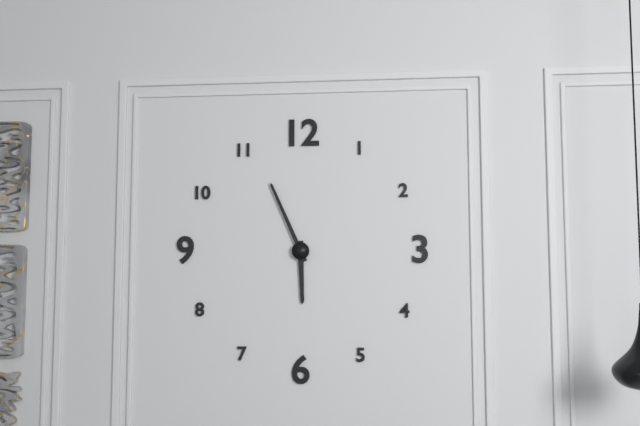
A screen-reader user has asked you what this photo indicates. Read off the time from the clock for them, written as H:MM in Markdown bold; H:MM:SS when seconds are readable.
**5:56**
